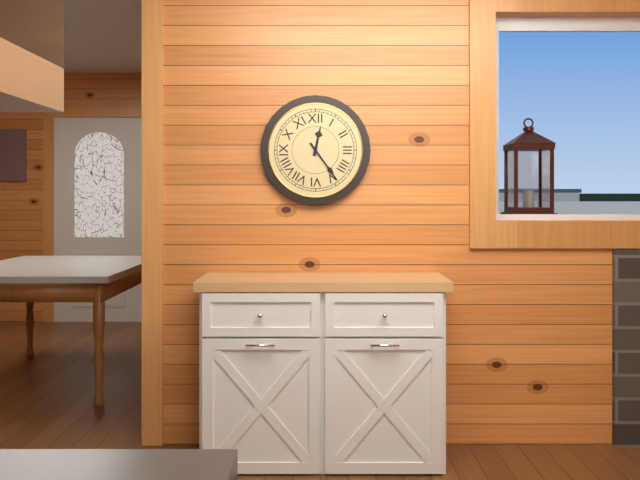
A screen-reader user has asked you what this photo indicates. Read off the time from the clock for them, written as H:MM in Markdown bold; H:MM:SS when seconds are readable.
**12:24**
